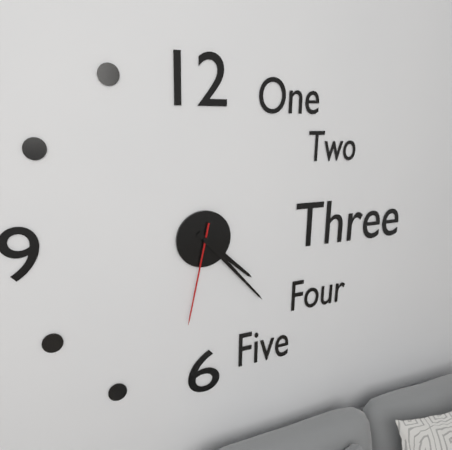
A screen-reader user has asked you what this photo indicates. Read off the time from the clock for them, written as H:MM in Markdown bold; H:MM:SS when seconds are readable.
**4:23:32**
